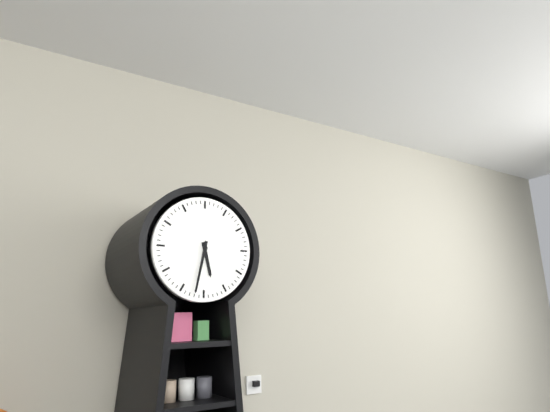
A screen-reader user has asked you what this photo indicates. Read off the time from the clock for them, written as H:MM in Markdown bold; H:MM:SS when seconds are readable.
**5:32**
